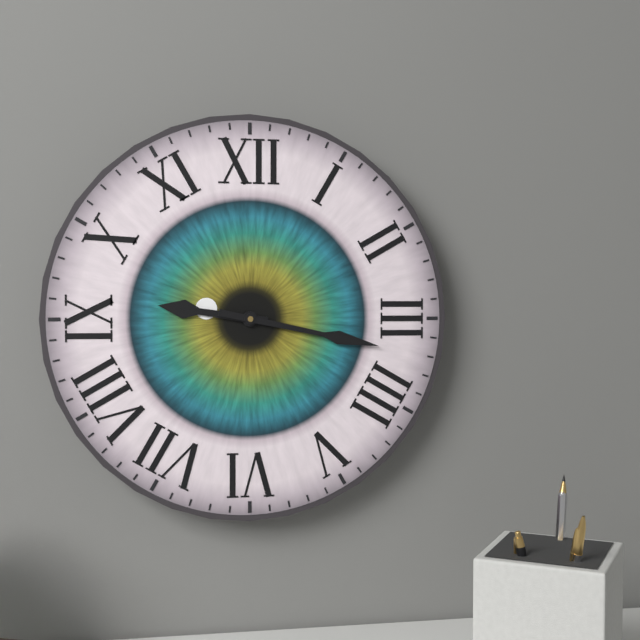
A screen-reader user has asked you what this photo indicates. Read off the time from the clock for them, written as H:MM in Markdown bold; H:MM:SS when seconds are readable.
**9:17**
